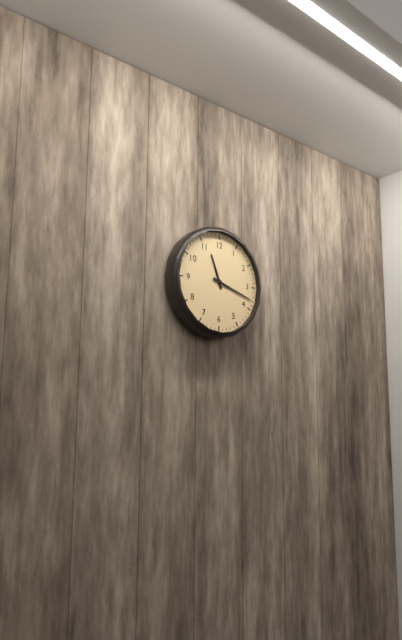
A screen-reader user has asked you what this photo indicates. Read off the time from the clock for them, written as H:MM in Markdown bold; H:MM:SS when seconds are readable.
**11:18**
